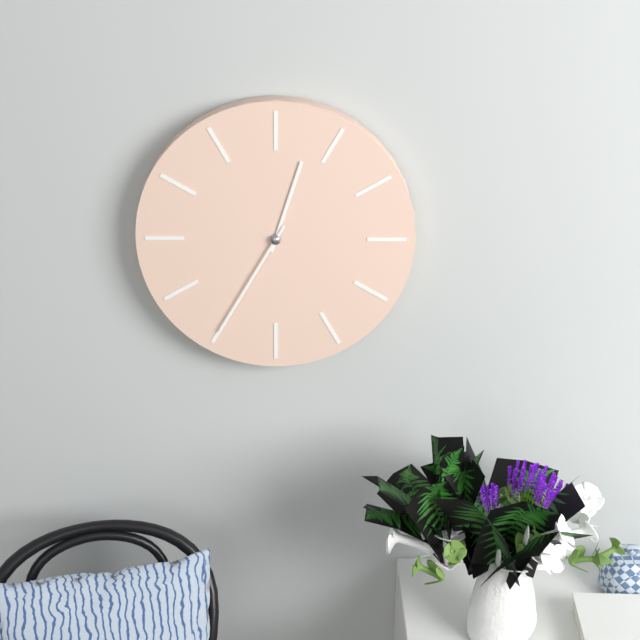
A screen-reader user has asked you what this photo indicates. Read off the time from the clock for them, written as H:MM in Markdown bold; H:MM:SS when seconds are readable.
**12:35**
